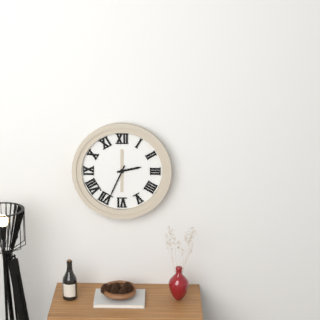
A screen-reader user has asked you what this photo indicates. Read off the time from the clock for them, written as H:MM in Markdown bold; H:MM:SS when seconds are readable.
**2:34**
